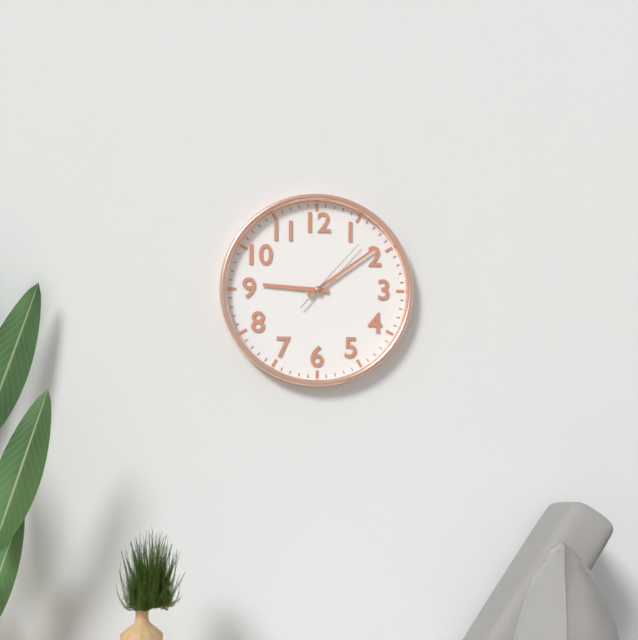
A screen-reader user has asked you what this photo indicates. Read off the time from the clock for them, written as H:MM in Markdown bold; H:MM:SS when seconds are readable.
**9:09:07**
